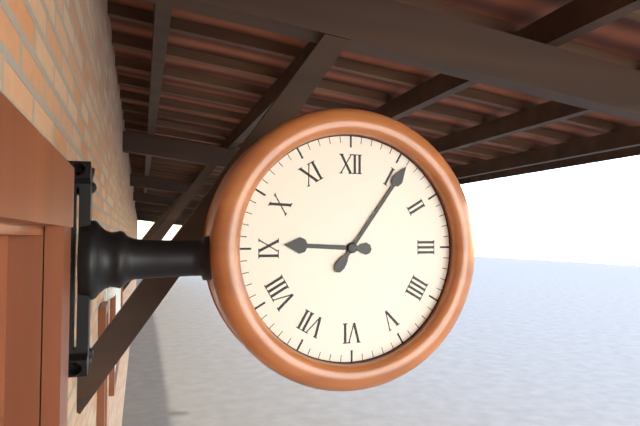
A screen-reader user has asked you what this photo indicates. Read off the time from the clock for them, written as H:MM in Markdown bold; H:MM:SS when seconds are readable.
**9:06**
